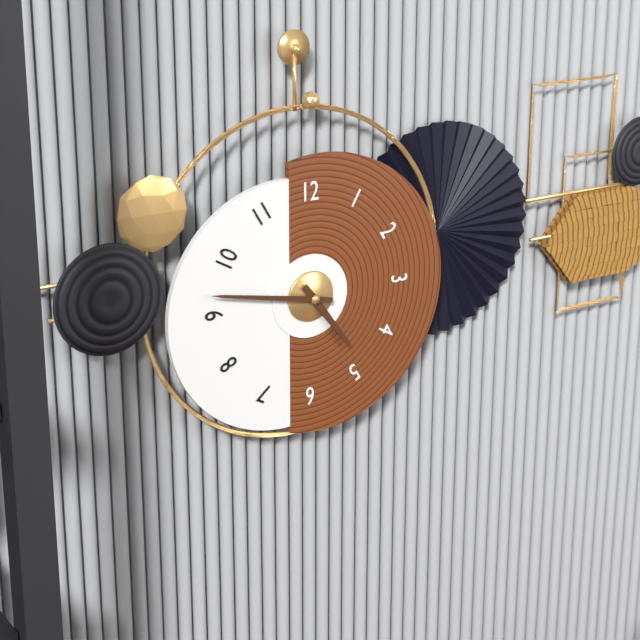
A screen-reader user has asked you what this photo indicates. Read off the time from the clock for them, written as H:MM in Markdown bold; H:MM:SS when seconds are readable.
**4:47**
